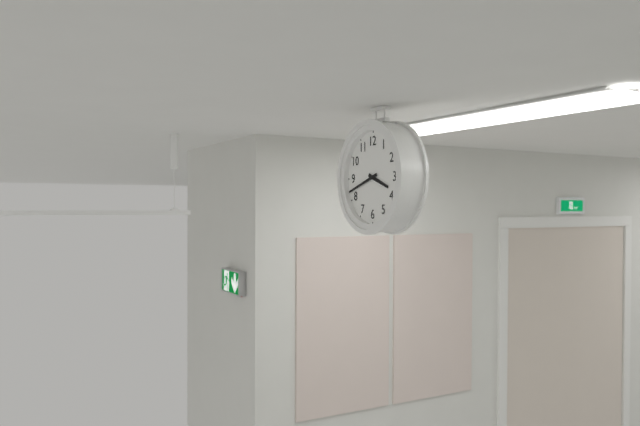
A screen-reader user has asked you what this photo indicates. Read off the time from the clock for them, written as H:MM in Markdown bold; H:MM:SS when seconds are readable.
**3:42**
